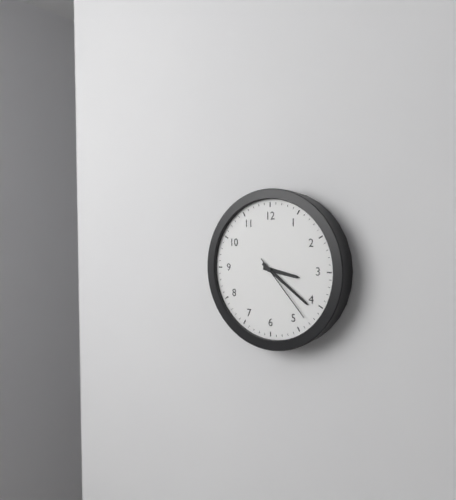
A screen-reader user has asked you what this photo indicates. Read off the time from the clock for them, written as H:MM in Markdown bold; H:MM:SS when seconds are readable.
**3:21:23**
